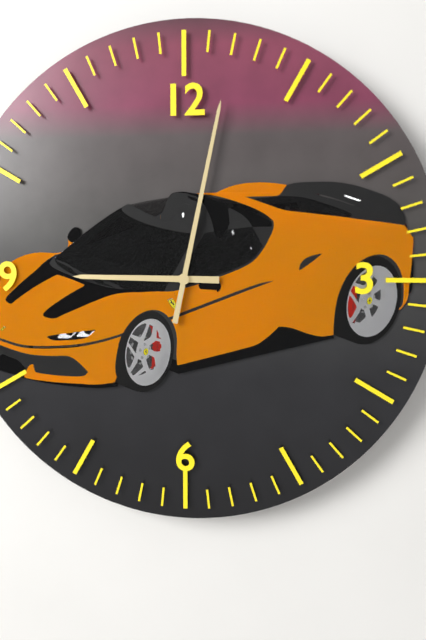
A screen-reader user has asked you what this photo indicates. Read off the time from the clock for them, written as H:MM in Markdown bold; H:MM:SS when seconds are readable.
**9:02**
